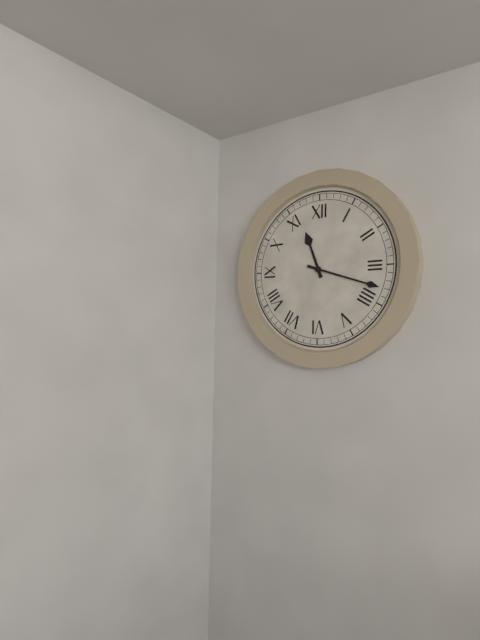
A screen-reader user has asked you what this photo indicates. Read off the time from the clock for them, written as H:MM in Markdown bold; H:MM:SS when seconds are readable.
**11:18**
